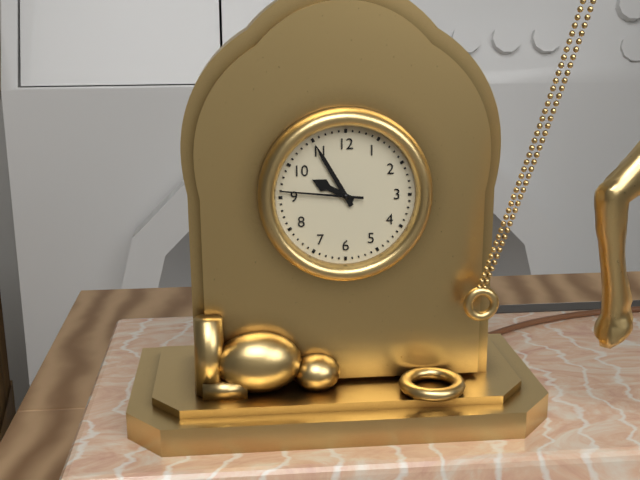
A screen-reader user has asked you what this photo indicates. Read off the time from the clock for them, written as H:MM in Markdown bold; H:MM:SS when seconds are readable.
**9:55:46**
